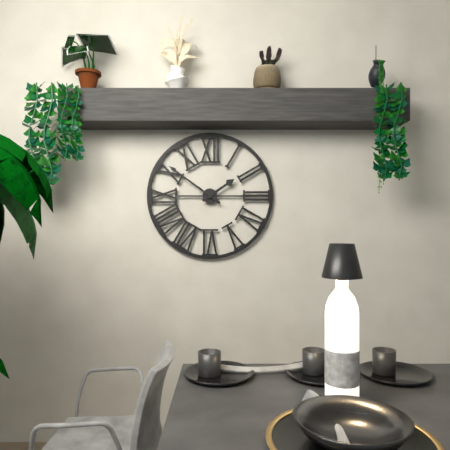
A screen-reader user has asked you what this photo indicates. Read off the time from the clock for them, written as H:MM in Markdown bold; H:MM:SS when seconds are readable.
**1:51**
